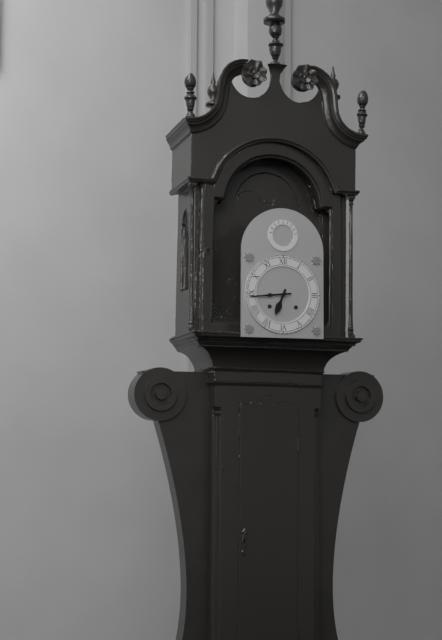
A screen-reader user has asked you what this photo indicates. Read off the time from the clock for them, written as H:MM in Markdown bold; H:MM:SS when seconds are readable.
**6:44**
